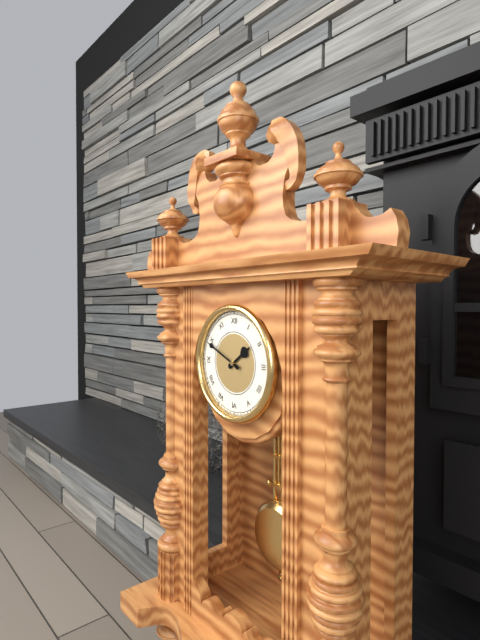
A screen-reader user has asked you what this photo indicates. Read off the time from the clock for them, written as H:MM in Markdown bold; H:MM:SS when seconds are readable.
**1:49**
